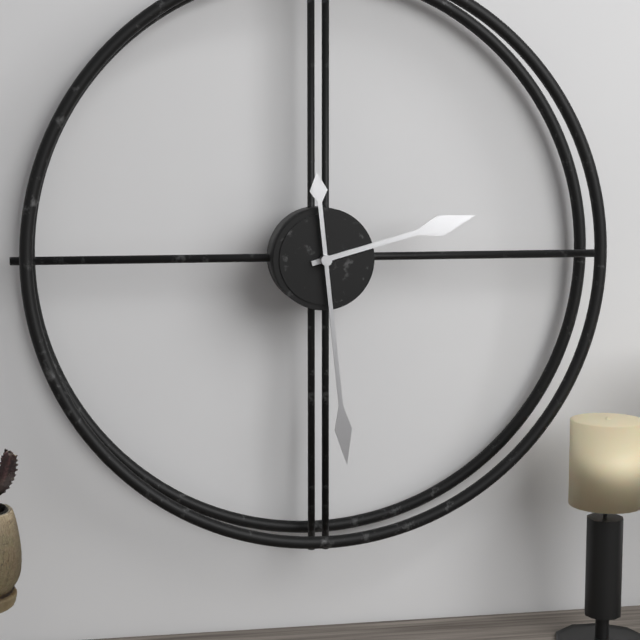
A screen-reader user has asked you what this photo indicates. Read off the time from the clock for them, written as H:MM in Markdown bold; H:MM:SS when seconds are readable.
**2:29**
